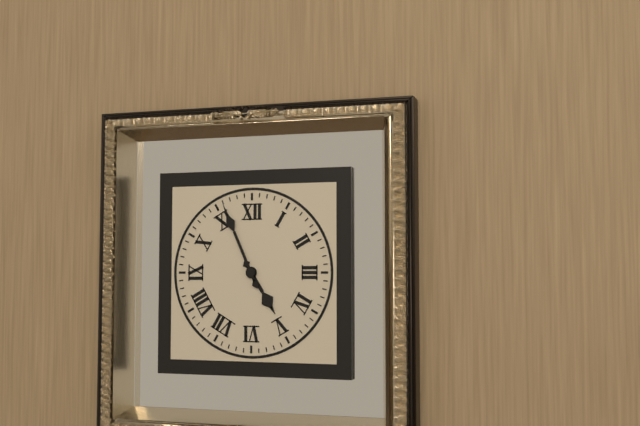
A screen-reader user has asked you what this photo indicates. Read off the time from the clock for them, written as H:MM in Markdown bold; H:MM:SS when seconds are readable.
**4:56**
